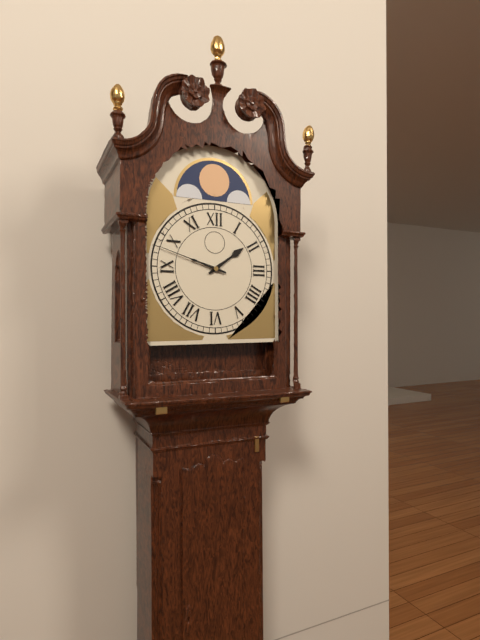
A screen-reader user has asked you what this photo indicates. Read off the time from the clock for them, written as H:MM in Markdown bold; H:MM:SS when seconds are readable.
**1:48**
